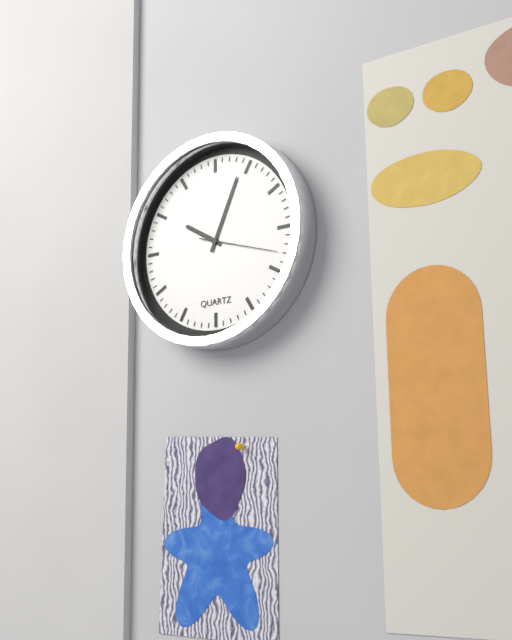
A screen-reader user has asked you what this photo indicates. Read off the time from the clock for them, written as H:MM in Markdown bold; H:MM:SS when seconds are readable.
**10:04:18**
